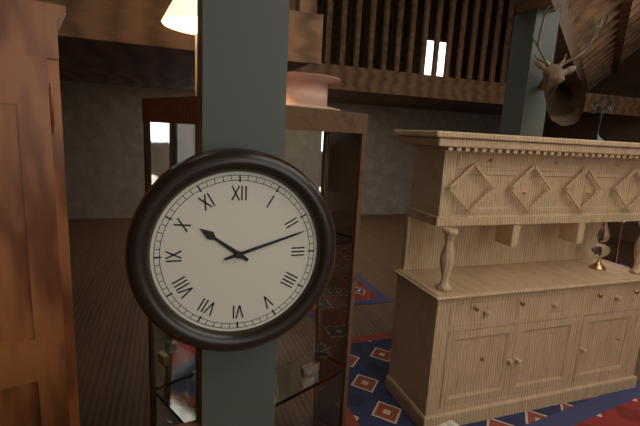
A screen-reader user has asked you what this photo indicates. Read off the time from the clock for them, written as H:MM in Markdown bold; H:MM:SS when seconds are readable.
**10:12**
